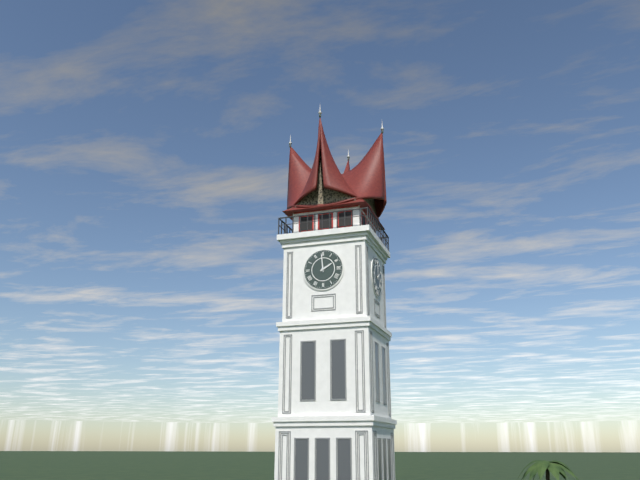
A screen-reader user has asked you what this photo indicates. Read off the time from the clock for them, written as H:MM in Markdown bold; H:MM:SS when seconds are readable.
**1:59**
